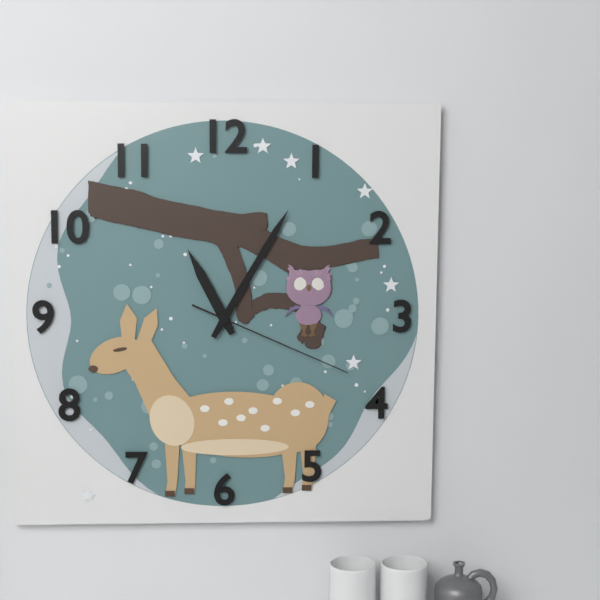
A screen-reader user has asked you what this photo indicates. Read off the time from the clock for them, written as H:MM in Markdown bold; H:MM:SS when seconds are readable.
**11:05:19**
